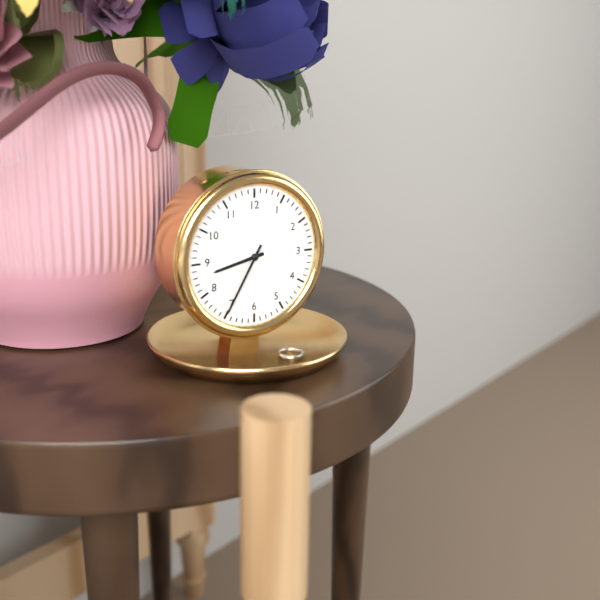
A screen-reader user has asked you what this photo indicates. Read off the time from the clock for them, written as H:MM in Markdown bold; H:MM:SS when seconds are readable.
**8:35**
